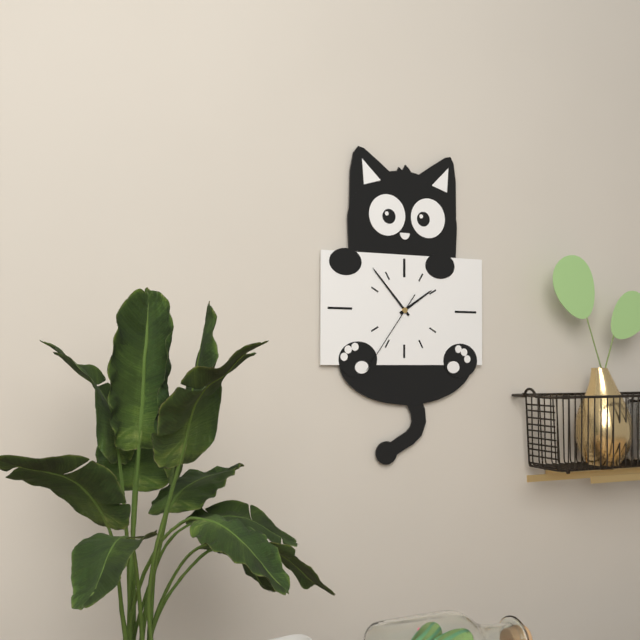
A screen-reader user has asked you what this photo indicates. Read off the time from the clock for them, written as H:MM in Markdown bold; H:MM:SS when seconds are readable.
**1:53:36**
